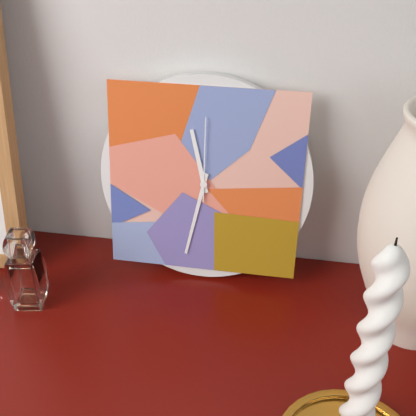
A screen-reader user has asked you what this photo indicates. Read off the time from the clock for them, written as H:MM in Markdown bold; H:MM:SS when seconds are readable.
**11:32:00**
